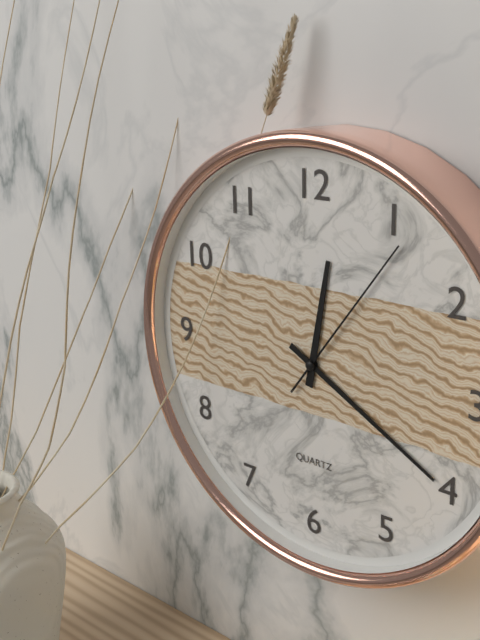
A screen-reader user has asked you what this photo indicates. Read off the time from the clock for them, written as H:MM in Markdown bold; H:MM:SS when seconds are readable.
**12:20:06**
